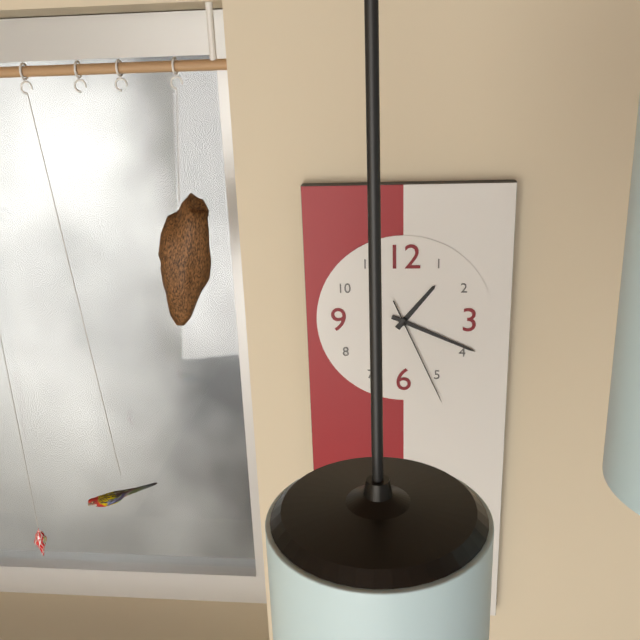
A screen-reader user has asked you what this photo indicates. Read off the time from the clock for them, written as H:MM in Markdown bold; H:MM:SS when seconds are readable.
**1:19:26**
